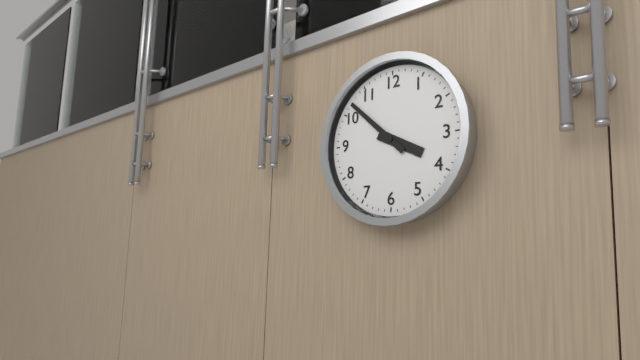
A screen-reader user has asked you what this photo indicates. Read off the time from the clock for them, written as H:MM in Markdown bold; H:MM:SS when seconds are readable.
**3:52**
